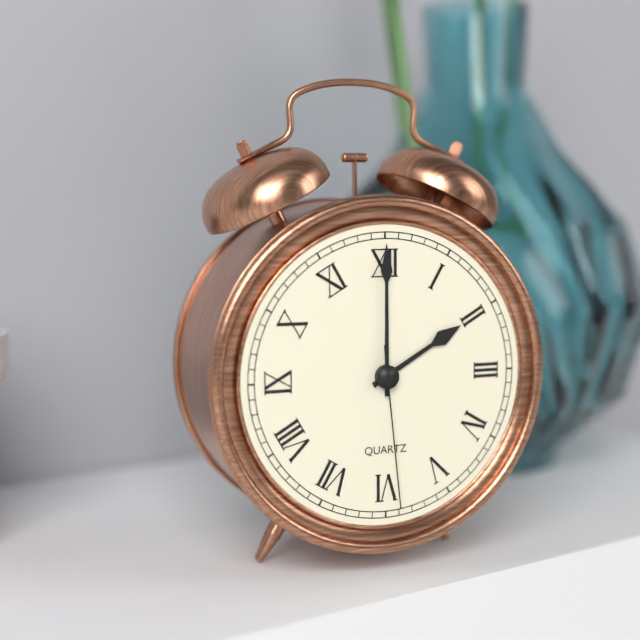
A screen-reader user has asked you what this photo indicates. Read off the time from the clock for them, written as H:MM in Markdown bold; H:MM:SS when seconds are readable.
**2:00:29**
